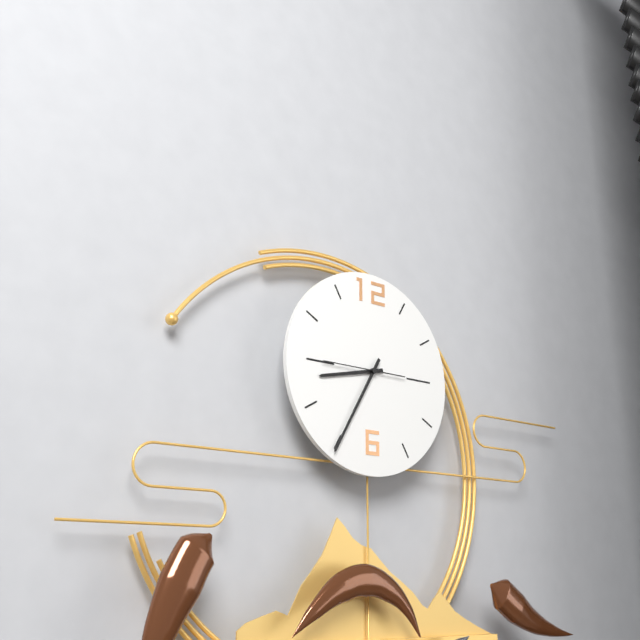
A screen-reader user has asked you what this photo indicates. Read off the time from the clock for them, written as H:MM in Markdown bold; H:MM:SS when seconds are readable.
**8:35**
